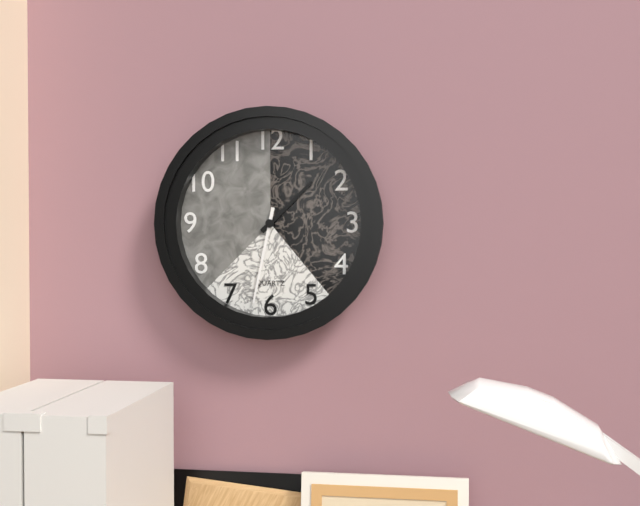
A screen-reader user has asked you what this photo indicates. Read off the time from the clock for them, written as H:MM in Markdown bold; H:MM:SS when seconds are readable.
**1:32**
